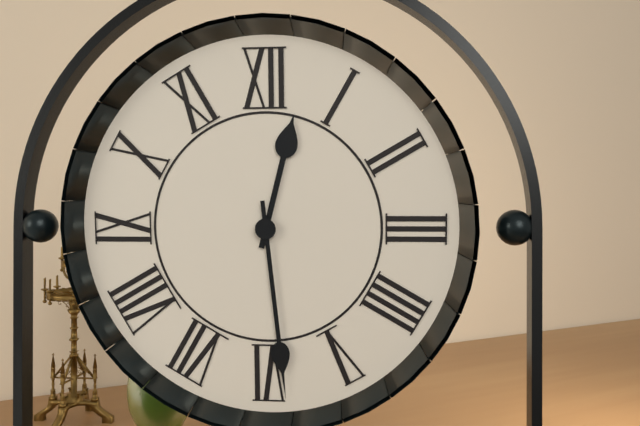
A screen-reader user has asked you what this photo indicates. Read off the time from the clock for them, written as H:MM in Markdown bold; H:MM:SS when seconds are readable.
**12:29**
